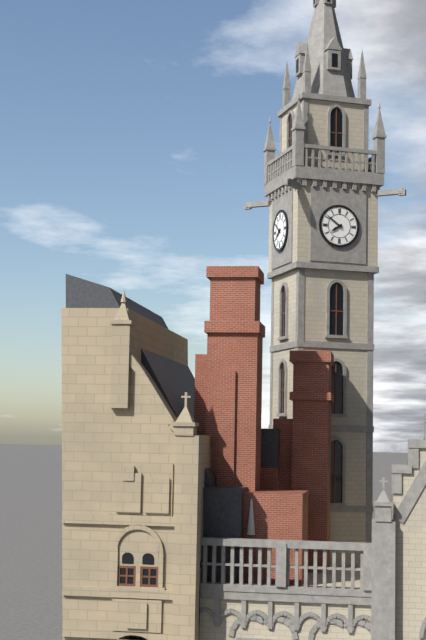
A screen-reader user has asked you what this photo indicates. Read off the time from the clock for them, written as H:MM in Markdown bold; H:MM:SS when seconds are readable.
**7:51**
